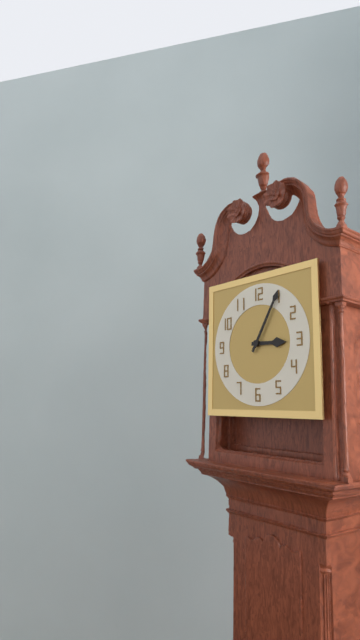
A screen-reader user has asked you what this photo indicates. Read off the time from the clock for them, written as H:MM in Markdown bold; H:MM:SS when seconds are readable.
**3:05**
